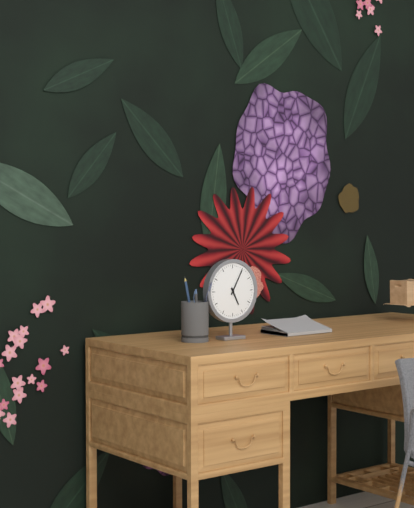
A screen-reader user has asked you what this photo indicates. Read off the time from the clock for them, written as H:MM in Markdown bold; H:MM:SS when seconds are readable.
**5:05**
